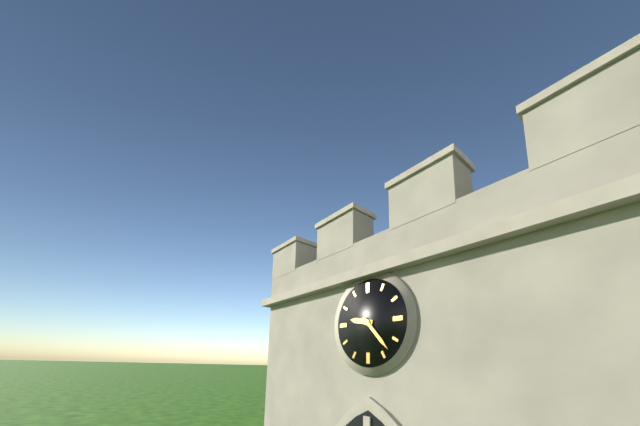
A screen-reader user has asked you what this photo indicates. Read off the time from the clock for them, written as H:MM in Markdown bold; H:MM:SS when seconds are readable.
**9:23**
